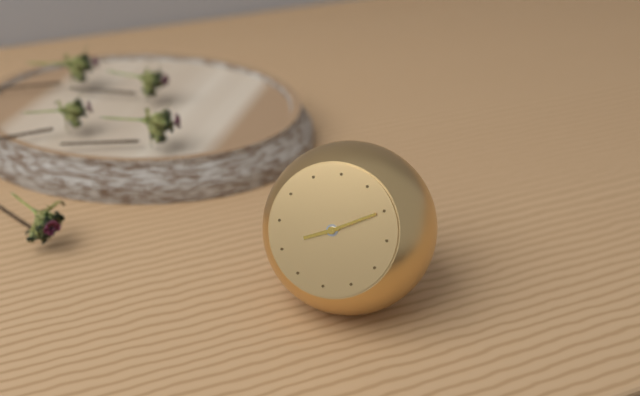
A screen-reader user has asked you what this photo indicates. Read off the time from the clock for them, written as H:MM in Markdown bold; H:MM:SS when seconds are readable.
**8:10**
